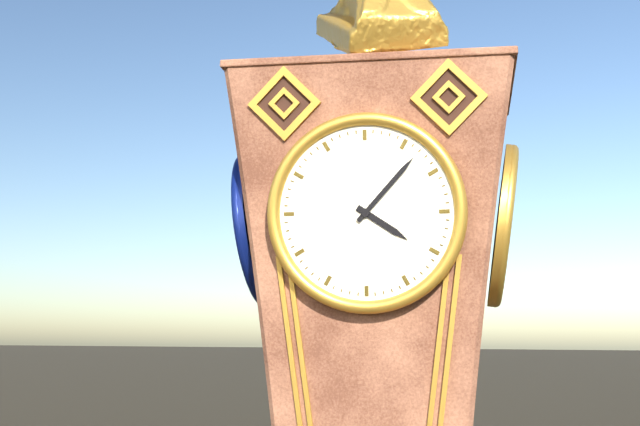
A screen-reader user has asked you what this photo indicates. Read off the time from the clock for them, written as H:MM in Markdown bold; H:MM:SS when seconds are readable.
**4:07**
